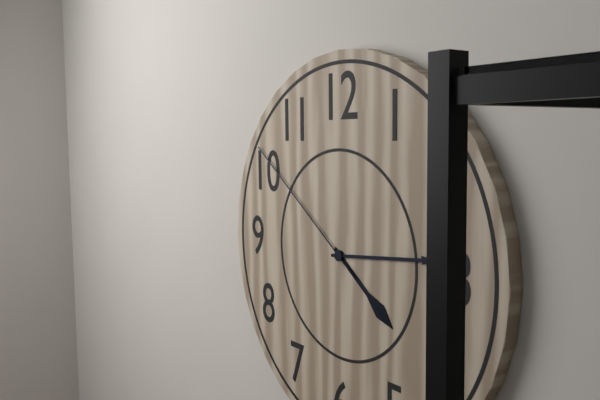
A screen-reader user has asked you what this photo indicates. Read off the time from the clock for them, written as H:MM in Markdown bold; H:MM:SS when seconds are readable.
**4:14:51**
